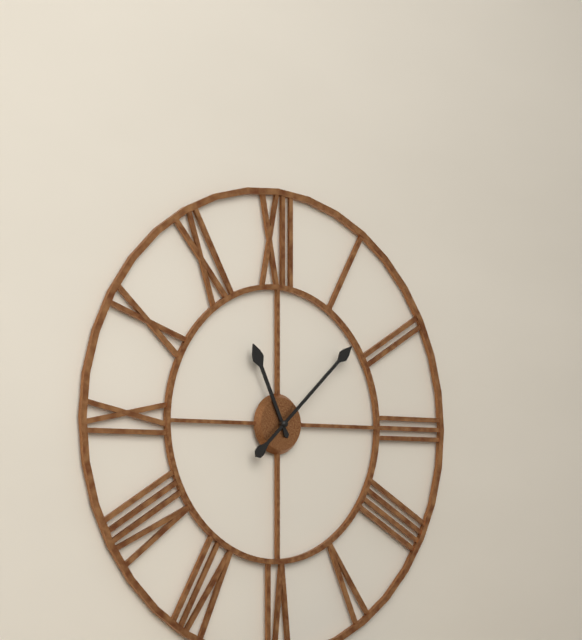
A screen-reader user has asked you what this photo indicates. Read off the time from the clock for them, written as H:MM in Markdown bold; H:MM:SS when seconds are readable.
**11:08**
